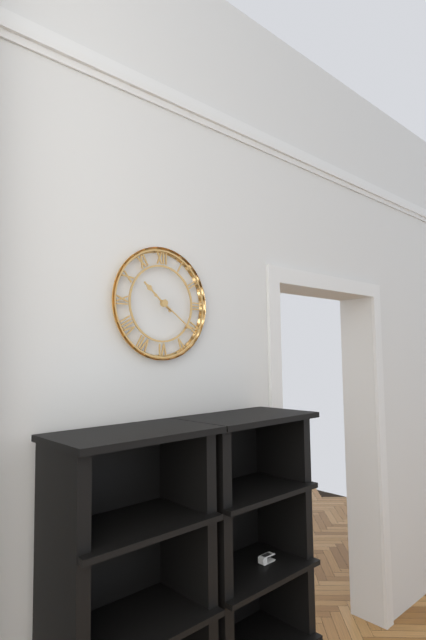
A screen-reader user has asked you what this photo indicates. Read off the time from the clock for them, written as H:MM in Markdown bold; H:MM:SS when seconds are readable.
**10:21**
